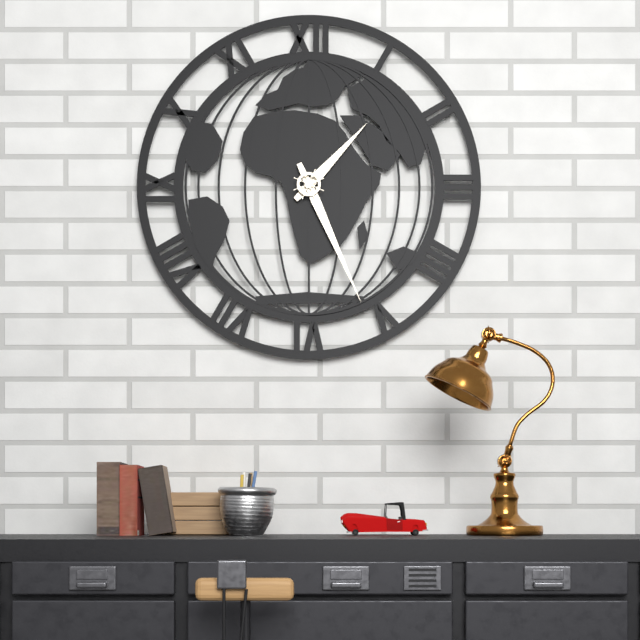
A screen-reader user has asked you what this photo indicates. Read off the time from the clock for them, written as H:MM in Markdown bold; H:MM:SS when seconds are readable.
**1:26**
